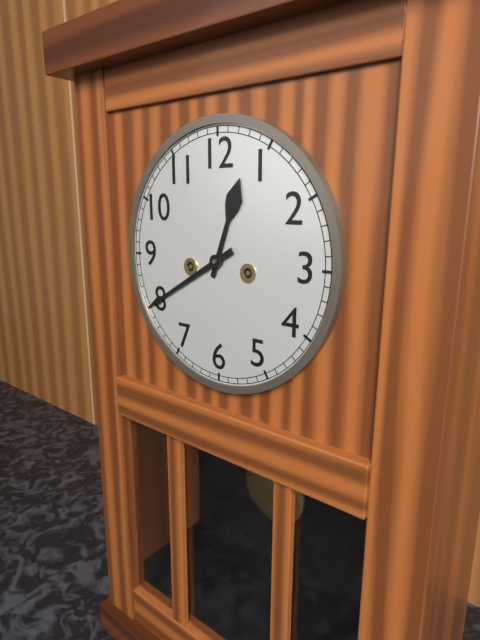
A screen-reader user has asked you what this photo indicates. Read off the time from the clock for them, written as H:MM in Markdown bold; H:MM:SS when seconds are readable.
**12:40**
